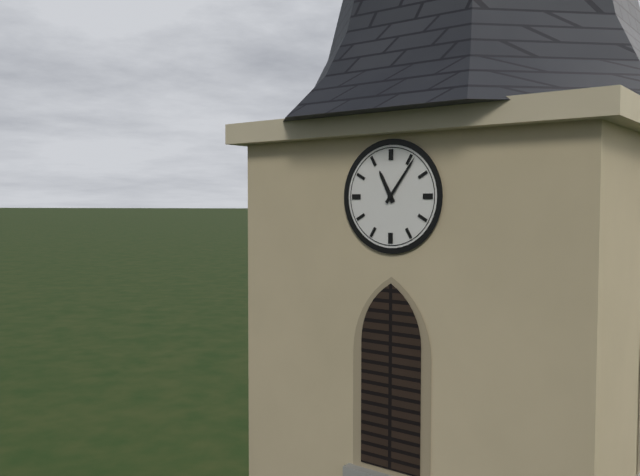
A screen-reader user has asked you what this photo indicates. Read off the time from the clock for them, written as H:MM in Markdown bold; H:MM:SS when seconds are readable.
**11:06**
